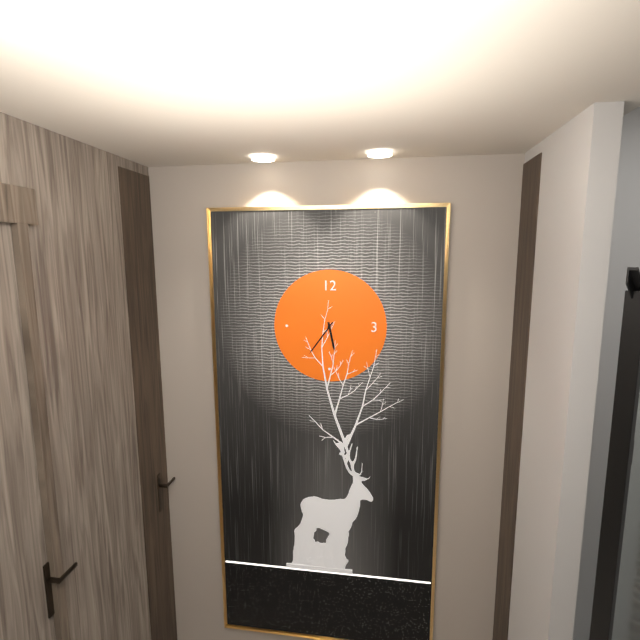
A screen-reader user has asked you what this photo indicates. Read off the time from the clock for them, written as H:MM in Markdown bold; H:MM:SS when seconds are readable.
**5:36**
